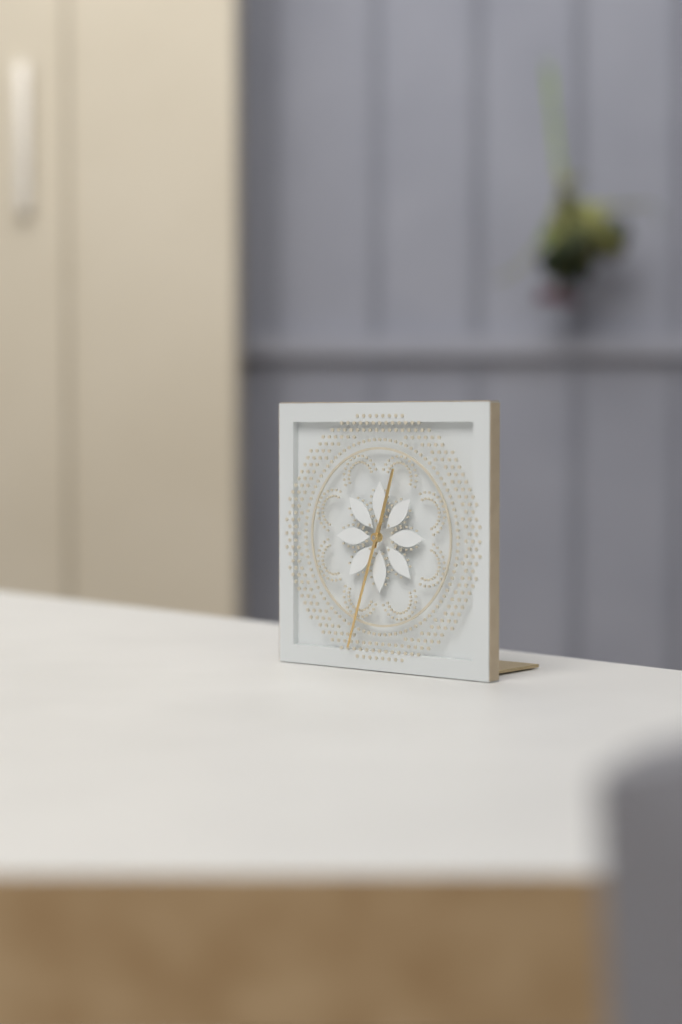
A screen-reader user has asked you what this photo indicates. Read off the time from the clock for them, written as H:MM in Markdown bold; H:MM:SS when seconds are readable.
**12:33**
